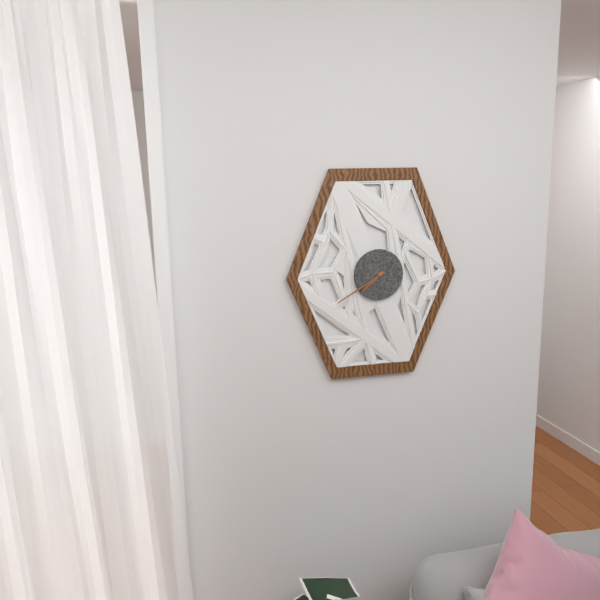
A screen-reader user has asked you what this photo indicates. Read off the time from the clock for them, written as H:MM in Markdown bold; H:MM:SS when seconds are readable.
**7:40**
